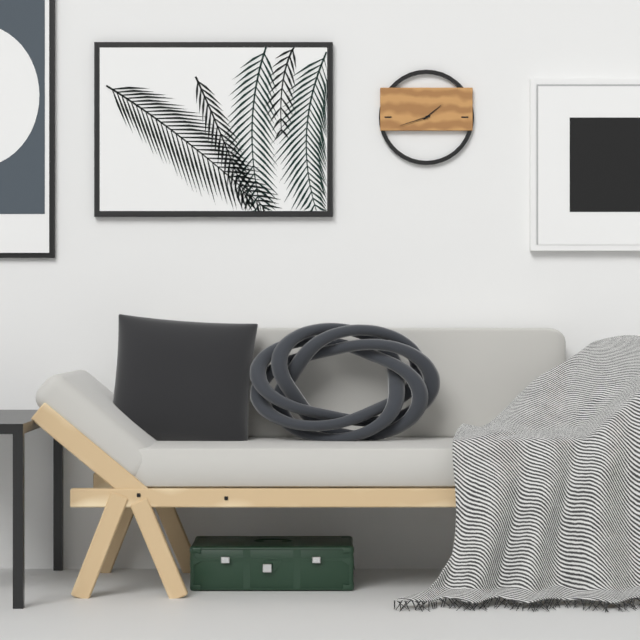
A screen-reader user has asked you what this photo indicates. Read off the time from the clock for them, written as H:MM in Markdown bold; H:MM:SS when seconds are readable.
**1:42**
